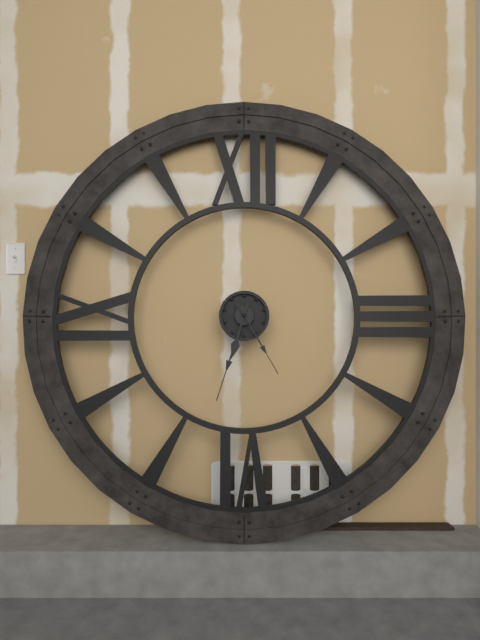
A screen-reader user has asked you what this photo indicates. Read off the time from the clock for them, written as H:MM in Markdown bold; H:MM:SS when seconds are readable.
**6:33:25**
